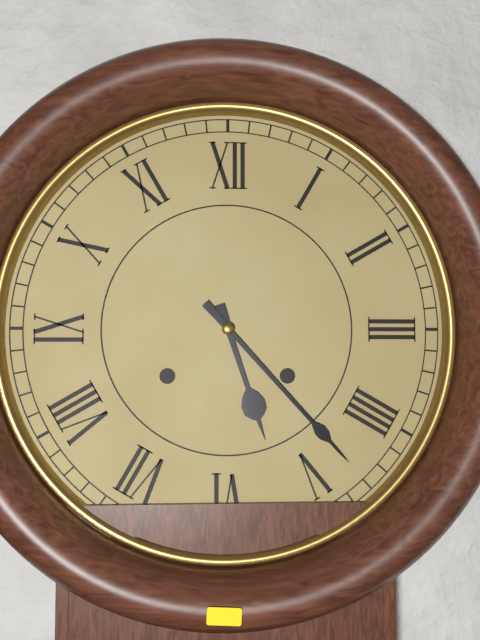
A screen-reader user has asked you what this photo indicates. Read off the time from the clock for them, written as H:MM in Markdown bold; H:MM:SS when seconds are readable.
**5:23**
